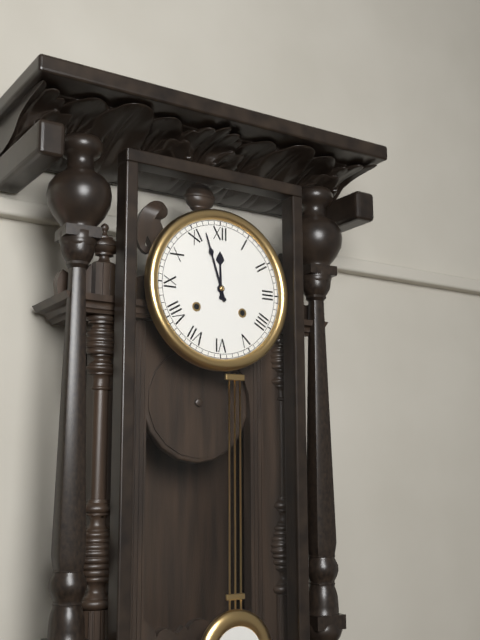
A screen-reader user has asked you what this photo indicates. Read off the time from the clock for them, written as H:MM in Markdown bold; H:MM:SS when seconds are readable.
**11:57**
